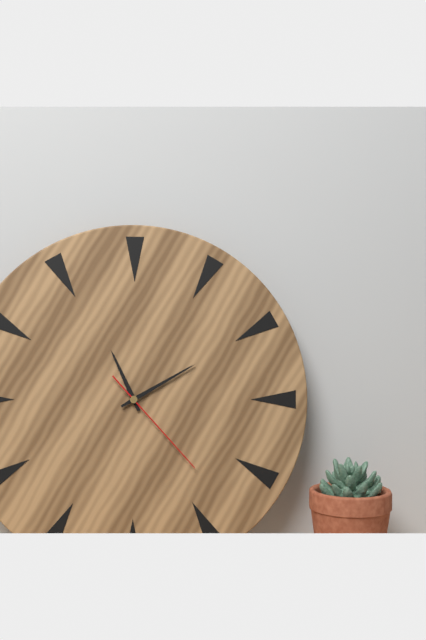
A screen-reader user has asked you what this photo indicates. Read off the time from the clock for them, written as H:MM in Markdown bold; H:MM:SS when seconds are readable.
**11:10:23**
